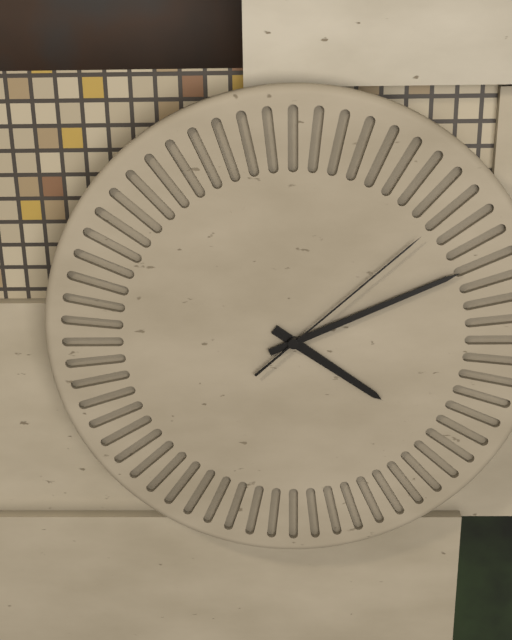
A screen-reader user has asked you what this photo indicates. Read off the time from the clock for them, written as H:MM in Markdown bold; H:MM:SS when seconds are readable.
**4:11:08**
